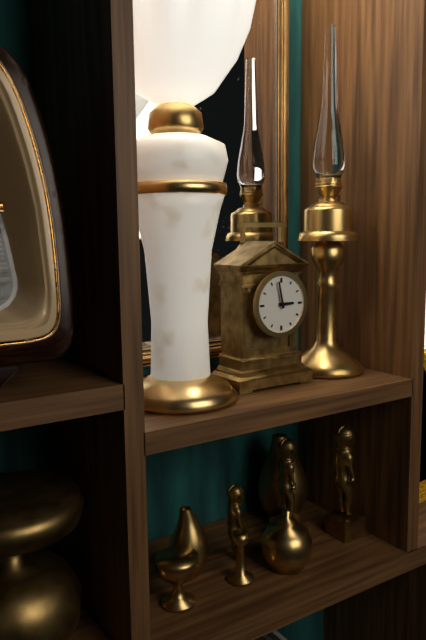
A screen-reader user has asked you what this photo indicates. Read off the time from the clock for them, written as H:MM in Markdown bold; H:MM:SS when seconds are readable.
**2:58**
